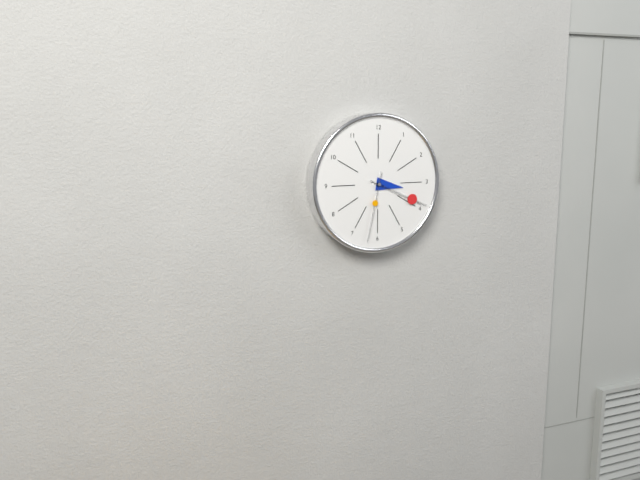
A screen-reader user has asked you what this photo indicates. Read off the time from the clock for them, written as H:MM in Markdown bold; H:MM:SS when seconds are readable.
**3:19:32**
